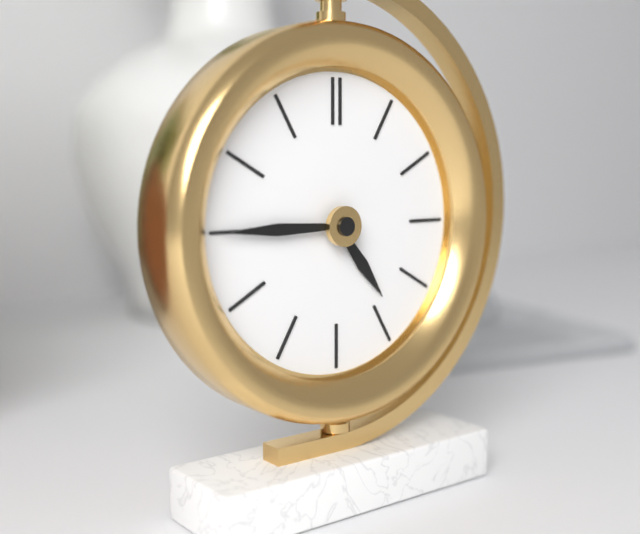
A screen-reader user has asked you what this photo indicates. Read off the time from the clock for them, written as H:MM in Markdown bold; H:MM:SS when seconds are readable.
**4:45**
